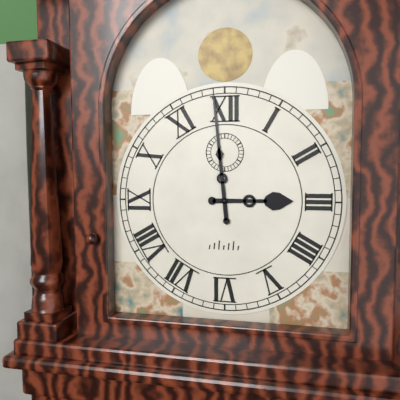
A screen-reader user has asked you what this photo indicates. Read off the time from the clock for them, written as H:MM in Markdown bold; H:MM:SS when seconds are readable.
**2:59**
